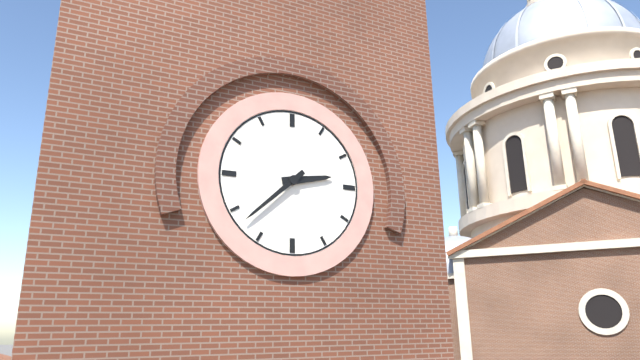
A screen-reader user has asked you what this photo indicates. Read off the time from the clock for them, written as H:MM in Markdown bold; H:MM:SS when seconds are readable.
**2:38**
